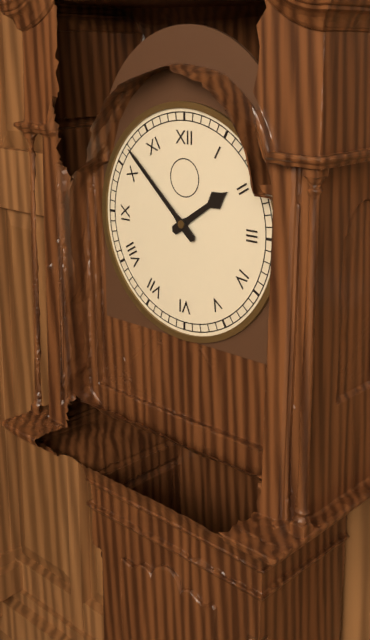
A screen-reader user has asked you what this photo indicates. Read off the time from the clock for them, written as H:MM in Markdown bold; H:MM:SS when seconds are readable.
**1:52**
